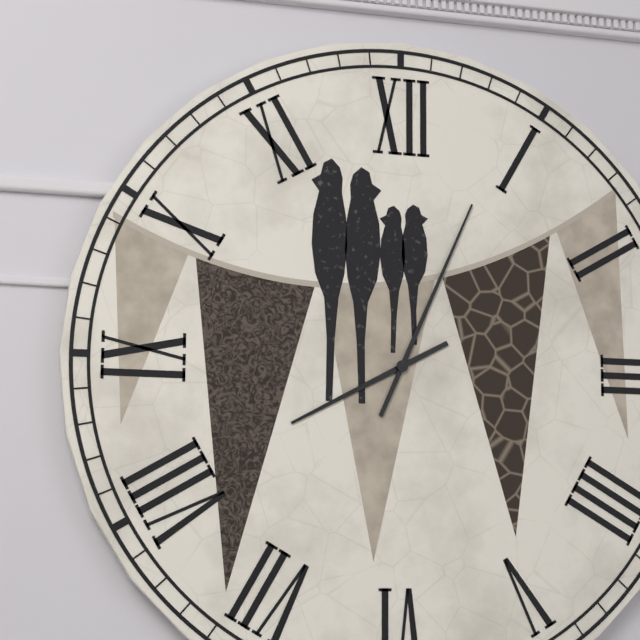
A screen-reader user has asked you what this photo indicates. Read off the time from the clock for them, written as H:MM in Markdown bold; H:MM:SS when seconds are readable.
**8:04**
